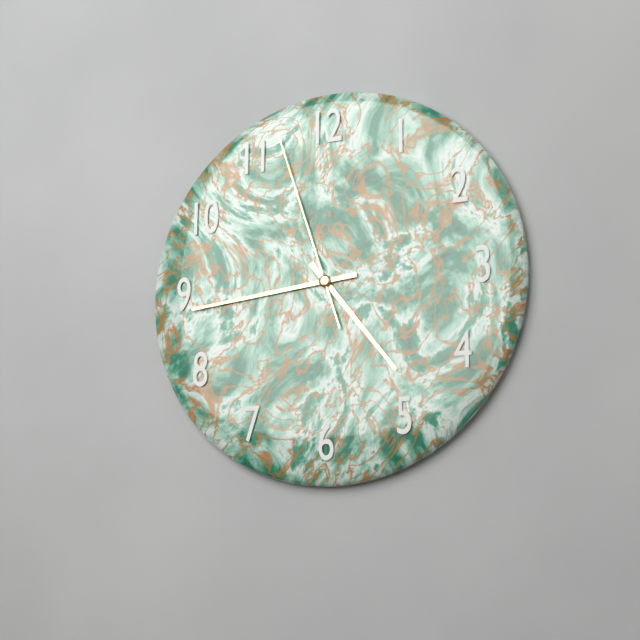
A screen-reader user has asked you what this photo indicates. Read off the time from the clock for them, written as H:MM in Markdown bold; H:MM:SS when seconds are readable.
**4:44:57**
